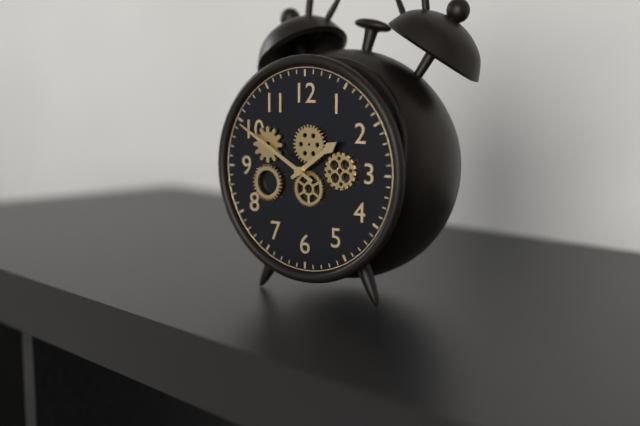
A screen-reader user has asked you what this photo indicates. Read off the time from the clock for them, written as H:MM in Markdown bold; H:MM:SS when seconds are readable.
**1:50**
